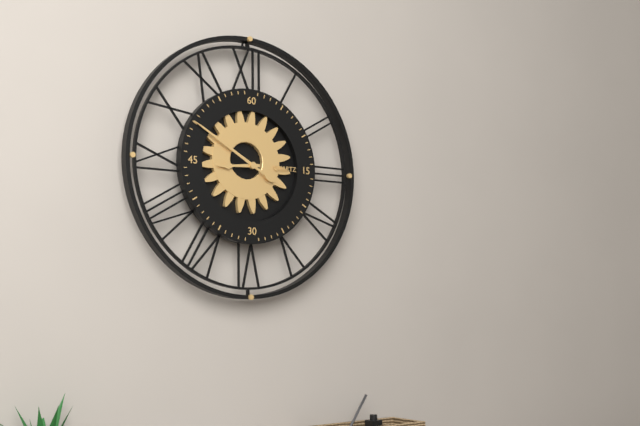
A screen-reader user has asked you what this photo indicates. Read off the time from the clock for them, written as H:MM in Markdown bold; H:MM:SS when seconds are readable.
**8:50**
